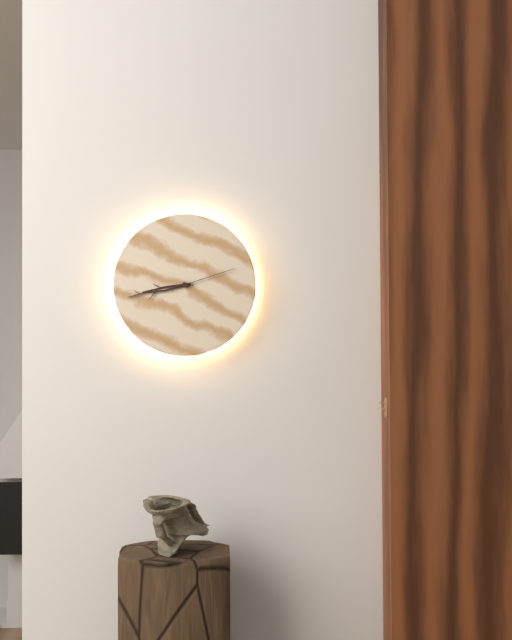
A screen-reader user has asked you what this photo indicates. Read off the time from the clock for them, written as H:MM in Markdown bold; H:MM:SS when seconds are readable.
**8:43:12**
